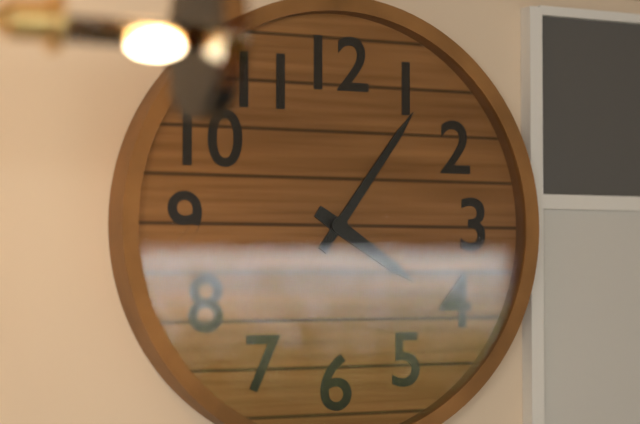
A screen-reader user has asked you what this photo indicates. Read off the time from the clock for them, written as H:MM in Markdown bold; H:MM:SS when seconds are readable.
**4:06**
